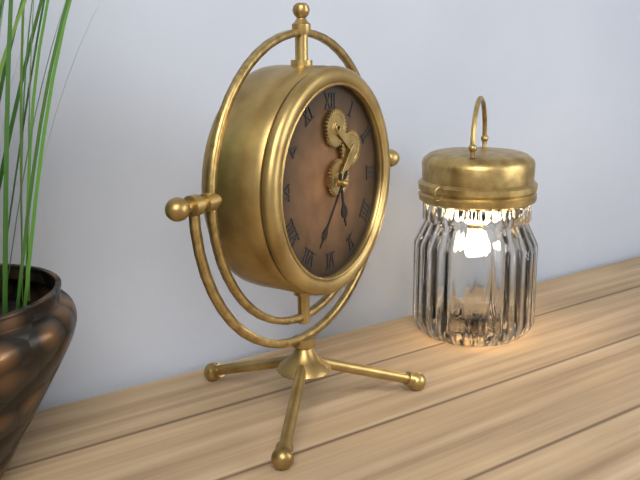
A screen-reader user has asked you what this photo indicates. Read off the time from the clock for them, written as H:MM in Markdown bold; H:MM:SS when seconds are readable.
**5:36**
